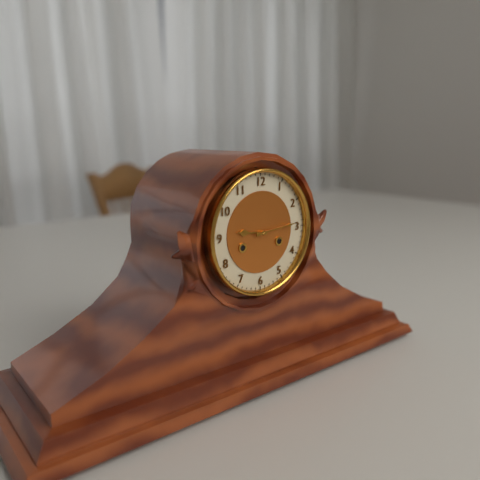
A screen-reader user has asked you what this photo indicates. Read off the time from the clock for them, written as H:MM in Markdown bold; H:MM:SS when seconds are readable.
**9:14**
